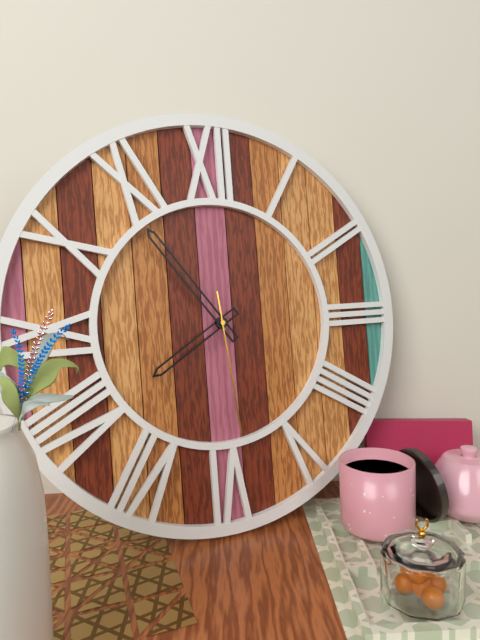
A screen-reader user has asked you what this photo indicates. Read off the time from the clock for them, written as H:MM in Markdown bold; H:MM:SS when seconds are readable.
**7:54:29**
